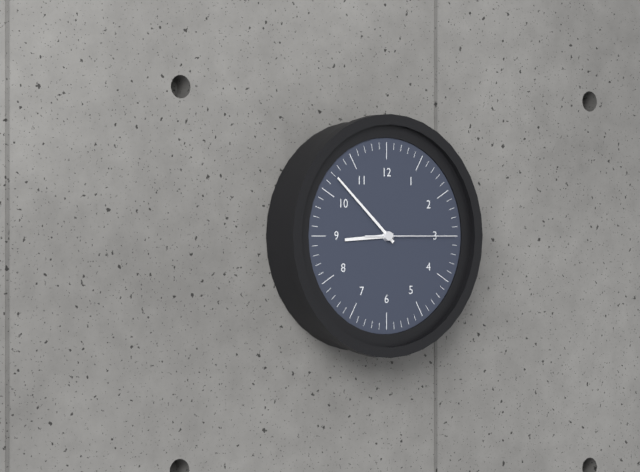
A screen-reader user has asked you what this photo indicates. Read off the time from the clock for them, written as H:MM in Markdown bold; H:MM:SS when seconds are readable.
**8:52:15**
